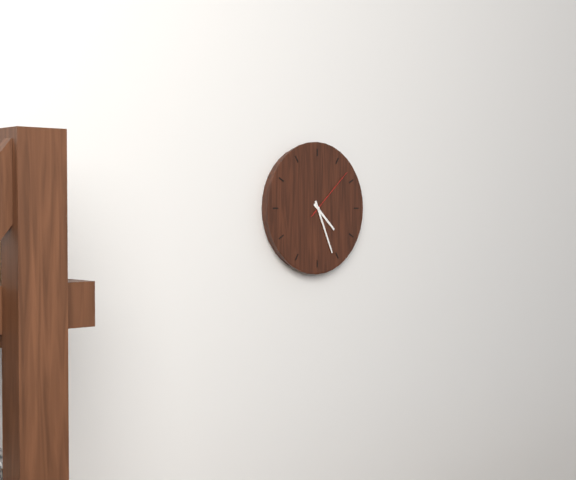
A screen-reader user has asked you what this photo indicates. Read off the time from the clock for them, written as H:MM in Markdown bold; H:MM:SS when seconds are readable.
**4:26:08**
